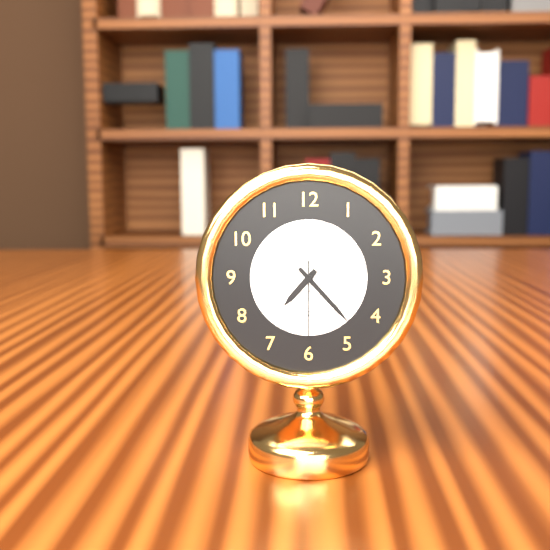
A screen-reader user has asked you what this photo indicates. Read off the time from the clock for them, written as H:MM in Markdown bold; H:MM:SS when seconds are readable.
**7:23:30**
